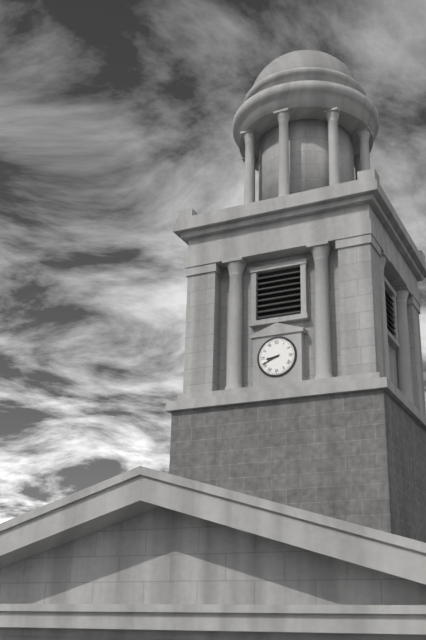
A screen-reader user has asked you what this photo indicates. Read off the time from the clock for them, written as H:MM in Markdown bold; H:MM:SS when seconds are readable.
**8:41**
